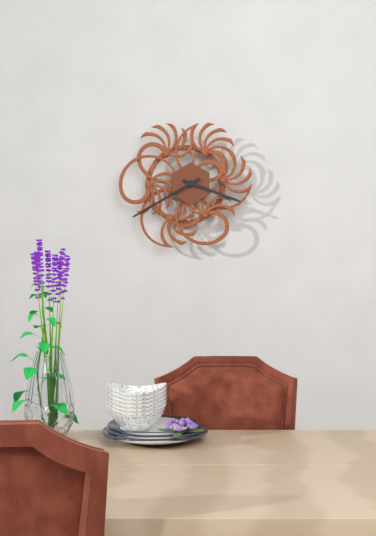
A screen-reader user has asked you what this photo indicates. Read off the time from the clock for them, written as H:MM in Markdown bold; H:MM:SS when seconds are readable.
**3:40**
